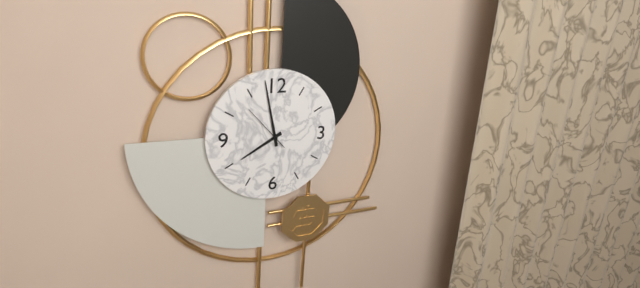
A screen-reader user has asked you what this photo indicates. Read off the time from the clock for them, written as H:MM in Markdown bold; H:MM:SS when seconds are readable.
**7:58:53**
